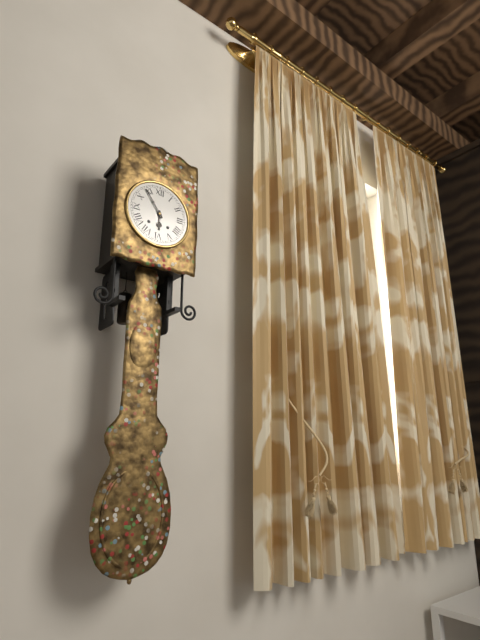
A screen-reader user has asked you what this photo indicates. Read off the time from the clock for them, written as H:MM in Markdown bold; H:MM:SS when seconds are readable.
**5:54**
